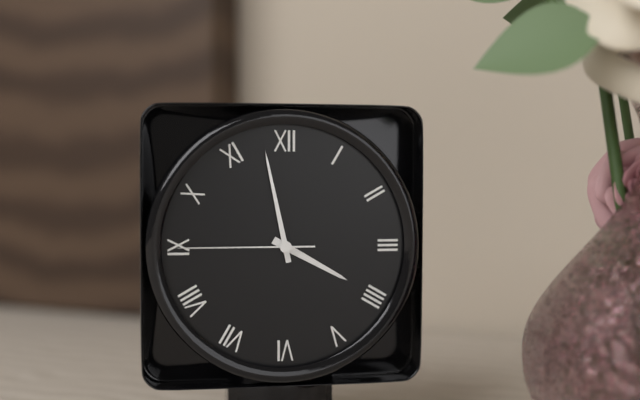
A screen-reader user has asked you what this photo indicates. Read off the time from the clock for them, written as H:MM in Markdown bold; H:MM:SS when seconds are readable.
**3:58:45**
